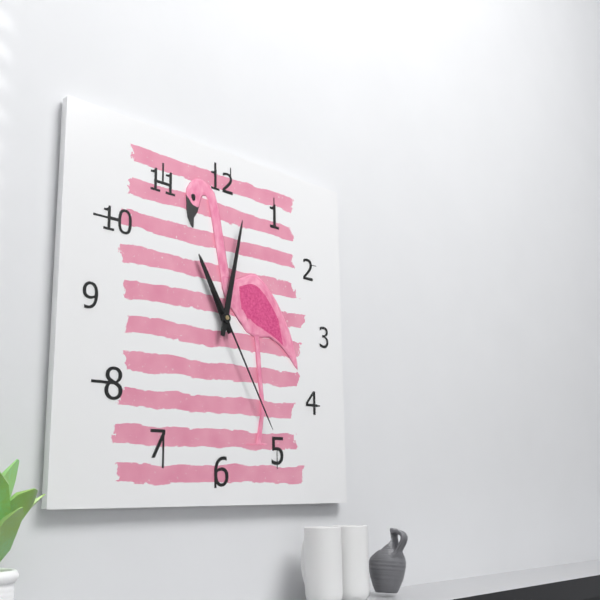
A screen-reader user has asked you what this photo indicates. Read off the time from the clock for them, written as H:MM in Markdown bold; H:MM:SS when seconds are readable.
**11:02:25**
